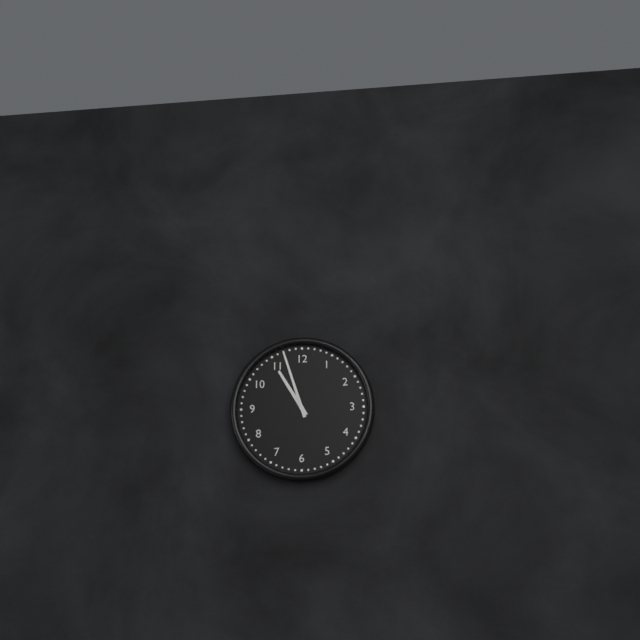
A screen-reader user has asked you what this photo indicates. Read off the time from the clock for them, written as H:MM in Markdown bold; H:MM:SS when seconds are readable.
**10:57**
